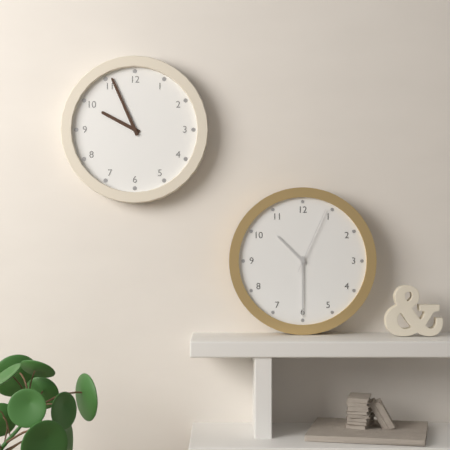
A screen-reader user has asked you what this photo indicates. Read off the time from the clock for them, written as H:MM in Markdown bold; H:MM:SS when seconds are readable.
**9:56**
